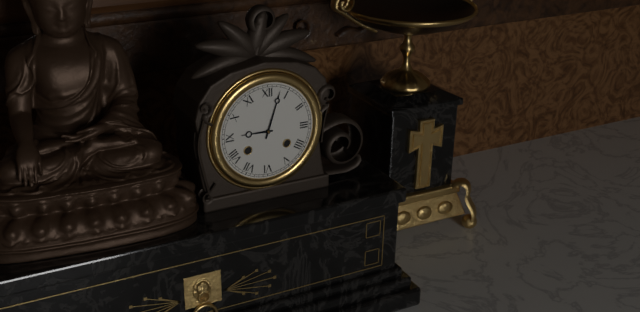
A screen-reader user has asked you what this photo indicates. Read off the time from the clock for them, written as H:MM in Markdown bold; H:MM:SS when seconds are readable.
**9:03**
